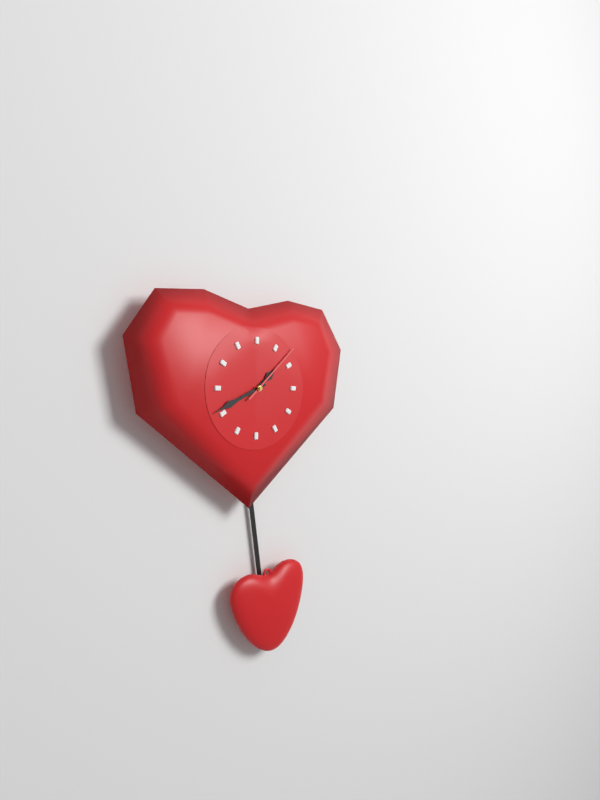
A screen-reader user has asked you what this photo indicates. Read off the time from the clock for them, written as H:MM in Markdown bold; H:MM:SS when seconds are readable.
**1:41:08**
